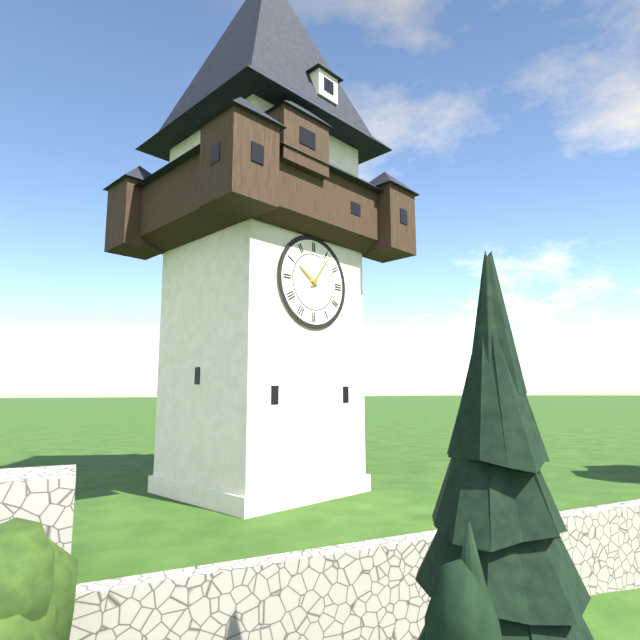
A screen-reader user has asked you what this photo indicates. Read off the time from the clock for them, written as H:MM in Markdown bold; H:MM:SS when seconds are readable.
**10:06**
